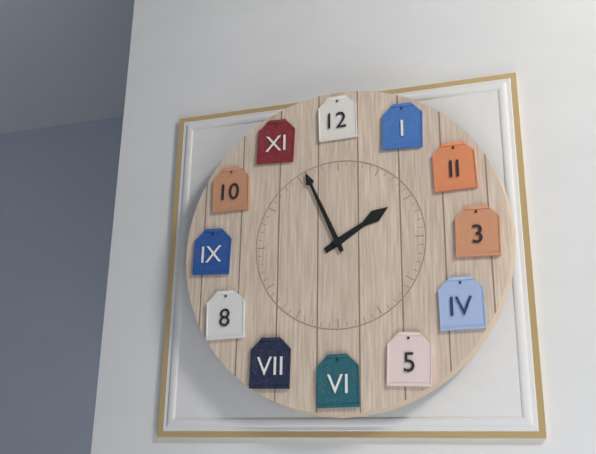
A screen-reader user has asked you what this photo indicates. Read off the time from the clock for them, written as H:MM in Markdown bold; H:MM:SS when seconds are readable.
**1:56**
